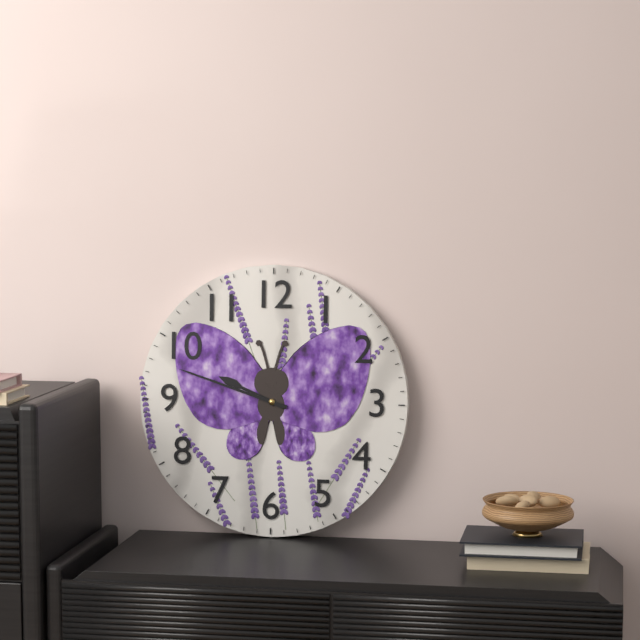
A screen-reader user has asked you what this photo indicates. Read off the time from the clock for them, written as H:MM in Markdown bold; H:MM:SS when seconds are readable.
**9:48**
